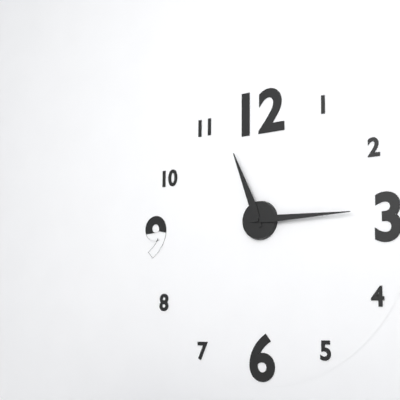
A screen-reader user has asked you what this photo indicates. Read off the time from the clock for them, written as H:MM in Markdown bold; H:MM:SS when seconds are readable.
**11:15**
